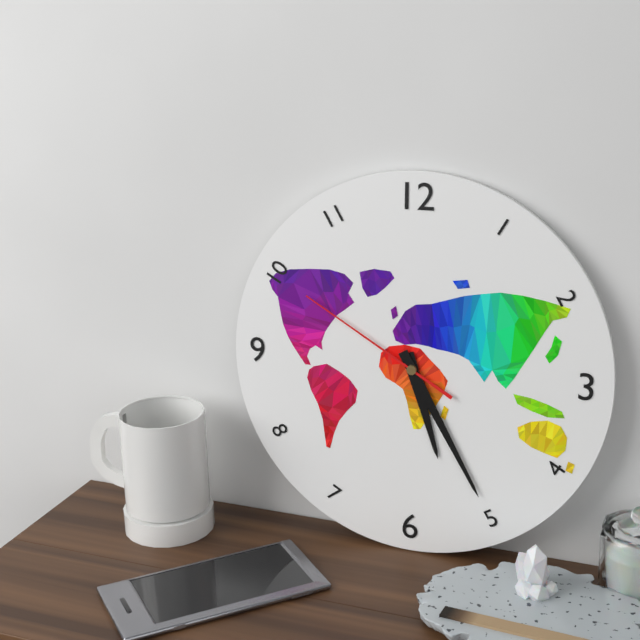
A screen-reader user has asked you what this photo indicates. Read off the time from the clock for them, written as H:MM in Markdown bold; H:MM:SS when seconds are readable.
**5:25:50**
